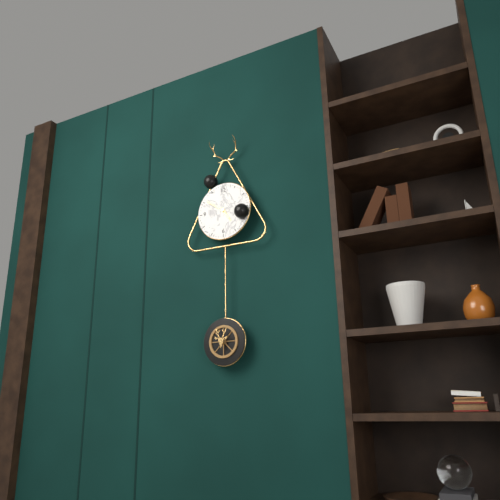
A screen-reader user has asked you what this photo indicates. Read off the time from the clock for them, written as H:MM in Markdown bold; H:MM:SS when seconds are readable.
**4:51**
